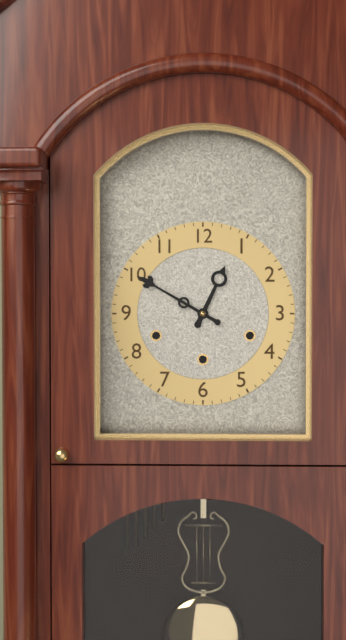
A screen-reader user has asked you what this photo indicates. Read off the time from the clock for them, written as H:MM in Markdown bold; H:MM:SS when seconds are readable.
**12:50**
